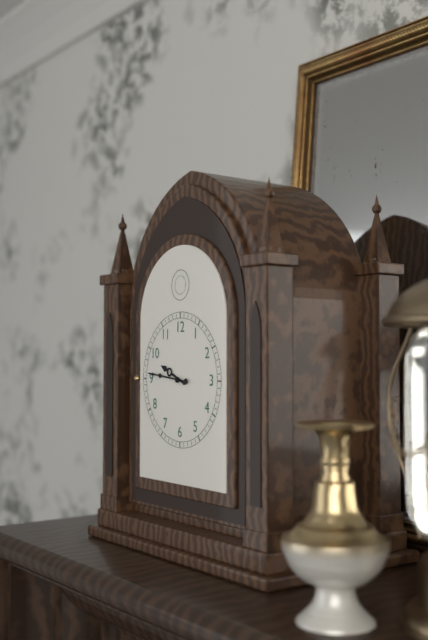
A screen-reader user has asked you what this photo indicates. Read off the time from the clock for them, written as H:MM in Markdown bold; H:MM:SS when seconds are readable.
**9:46**
